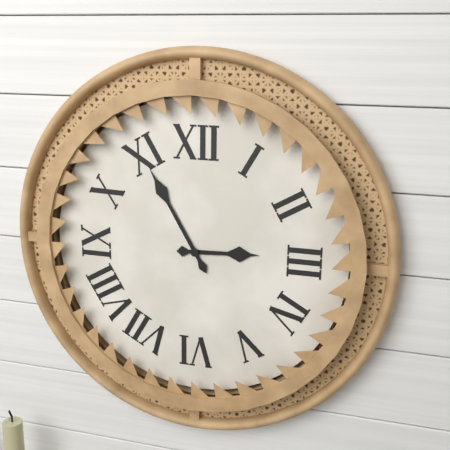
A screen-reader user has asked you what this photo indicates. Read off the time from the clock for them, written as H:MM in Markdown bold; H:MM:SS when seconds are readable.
**2:55**
